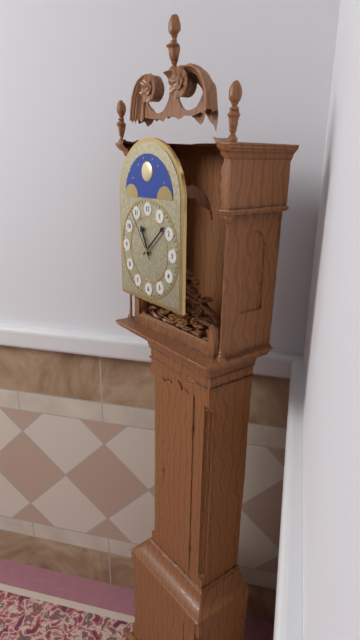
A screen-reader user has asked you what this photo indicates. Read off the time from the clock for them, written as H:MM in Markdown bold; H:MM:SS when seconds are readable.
**11:08:54**
